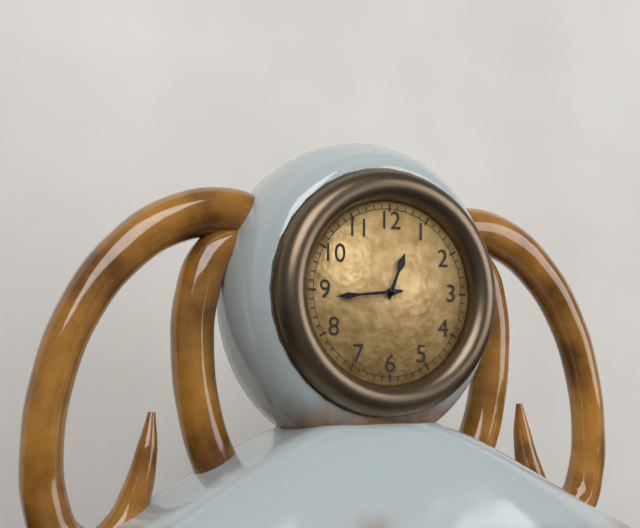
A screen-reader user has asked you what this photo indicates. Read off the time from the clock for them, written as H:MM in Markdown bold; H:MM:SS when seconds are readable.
**12:44**
